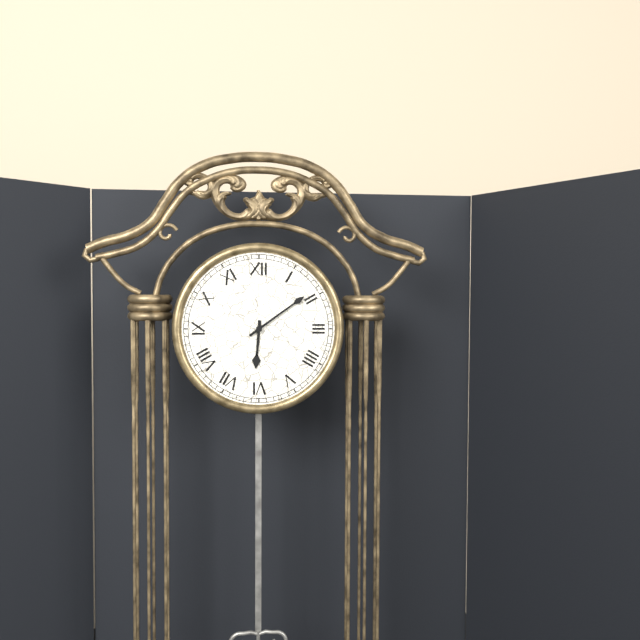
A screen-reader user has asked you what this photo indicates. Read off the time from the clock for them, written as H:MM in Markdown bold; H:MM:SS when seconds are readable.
**6:09**
